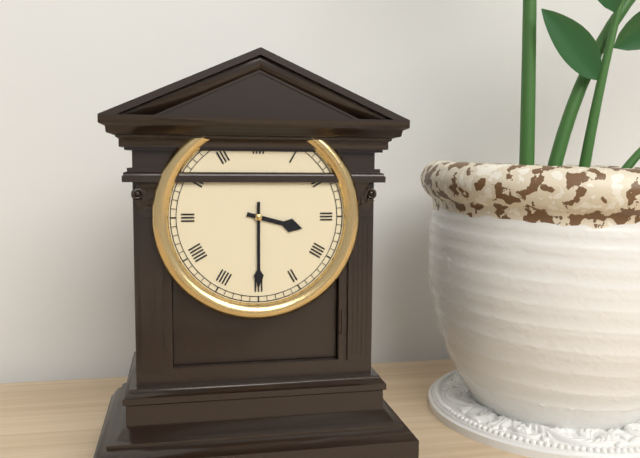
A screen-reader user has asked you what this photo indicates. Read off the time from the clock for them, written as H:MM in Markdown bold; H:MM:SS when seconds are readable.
**3:30**
